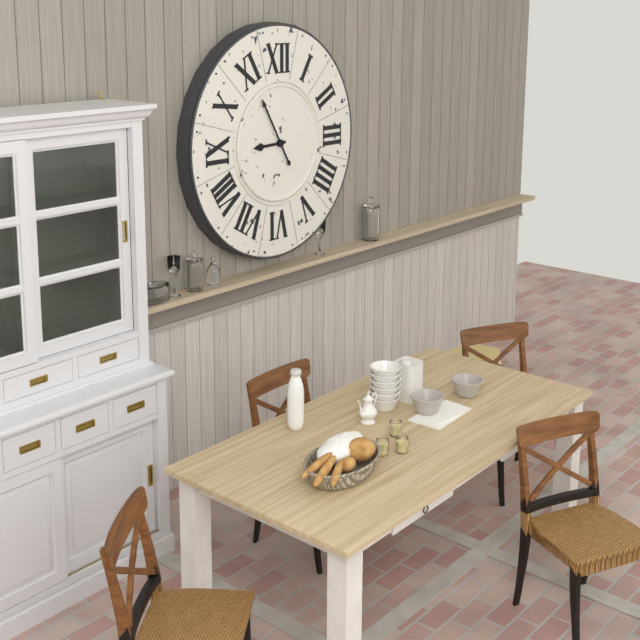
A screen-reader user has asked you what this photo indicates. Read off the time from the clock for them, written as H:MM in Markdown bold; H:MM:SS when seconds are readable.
**8:55**
